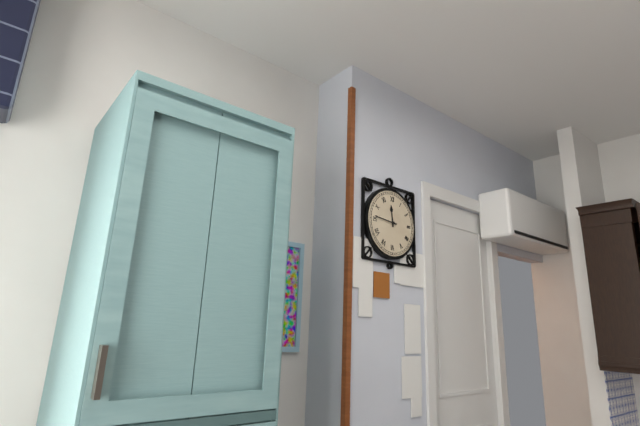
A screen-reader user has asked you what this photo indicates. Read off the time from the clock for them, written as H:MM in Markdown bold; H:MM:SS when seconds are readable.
**11:46**
